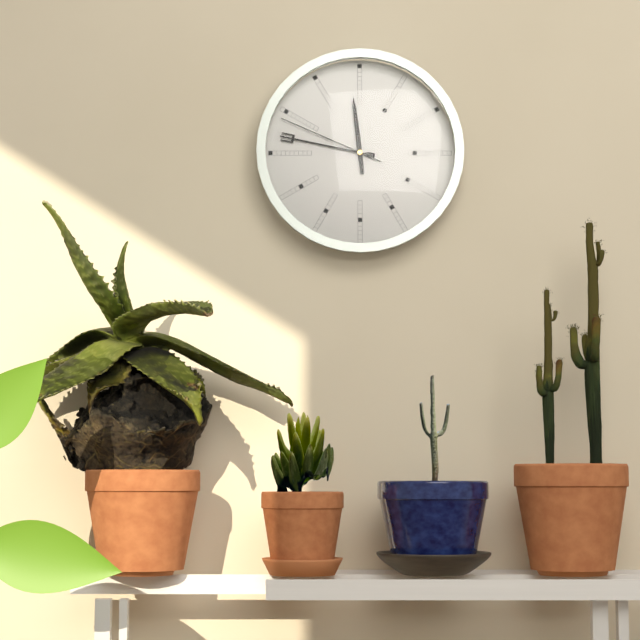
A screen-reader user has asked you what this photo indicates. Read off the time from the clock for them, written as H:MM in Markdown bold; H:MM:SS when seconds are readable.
**11:47:49**
